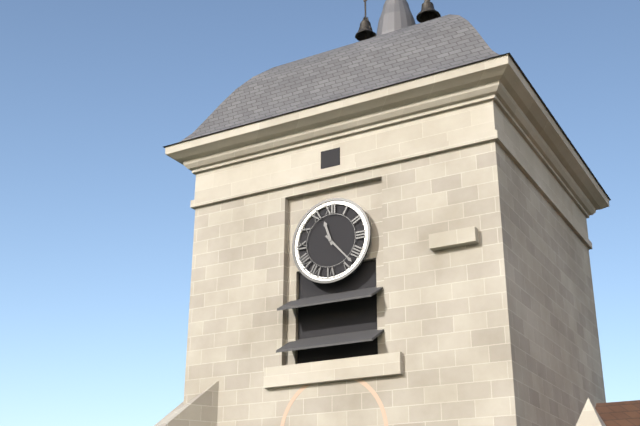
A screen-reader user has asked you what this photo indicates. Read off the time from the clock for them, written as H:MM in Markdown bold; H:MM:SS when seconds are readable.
**11:23**
